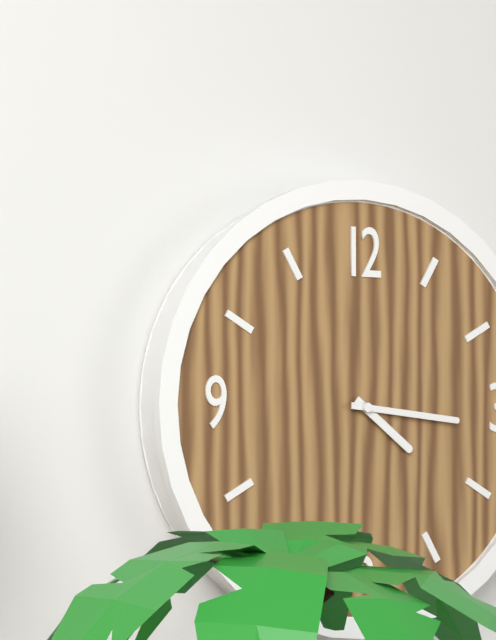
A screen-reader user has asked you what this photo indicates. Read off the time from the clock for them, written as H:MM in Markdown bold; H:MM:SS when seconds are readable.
**4:16**
